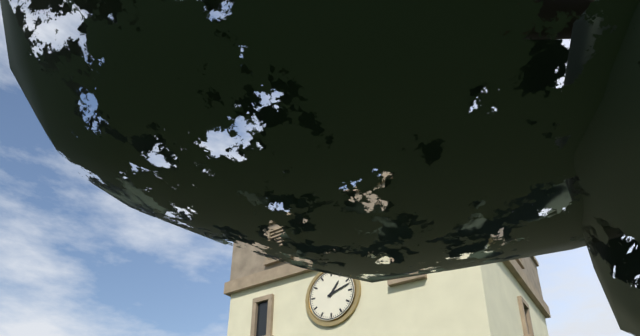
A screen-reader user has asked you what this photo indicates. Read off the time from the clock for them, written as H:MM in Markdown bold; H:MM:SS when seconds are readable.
**1:12**
